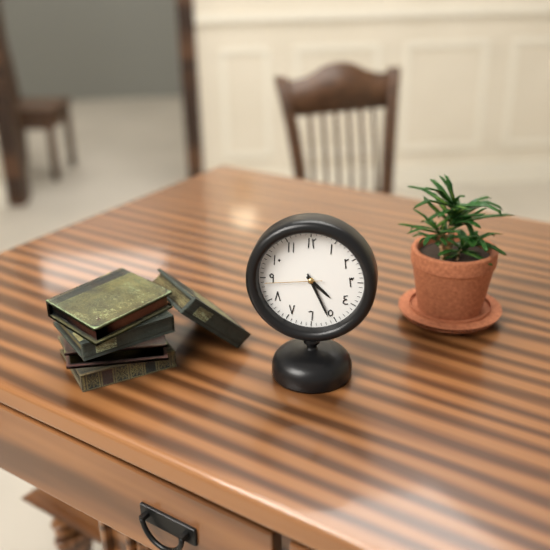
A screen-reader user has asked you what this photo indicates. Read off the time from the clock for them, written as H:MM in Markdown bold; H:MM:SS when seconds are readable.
**4:26:44**
